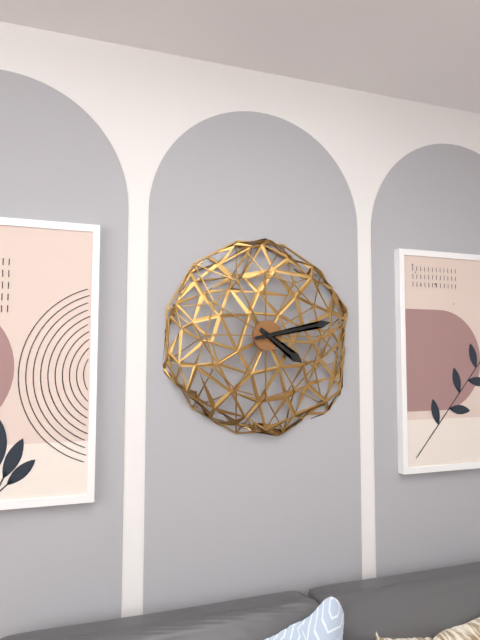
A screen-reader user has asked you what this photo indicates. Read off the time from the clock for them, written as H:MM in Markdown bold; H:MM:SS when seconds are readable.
**4:13**
